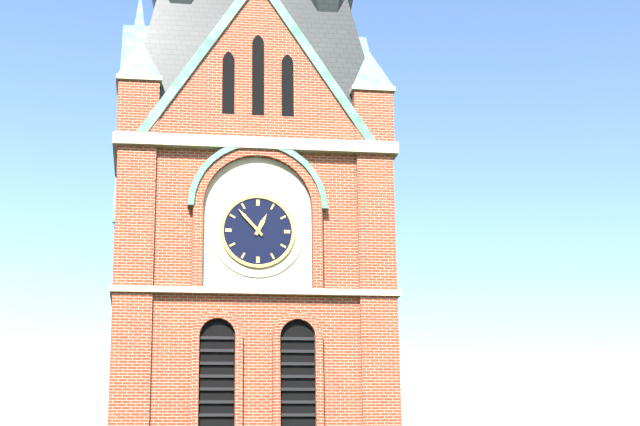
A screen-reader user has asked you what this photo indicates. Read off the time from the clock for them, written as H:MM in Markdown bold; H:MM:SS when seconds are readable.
**12:53**
